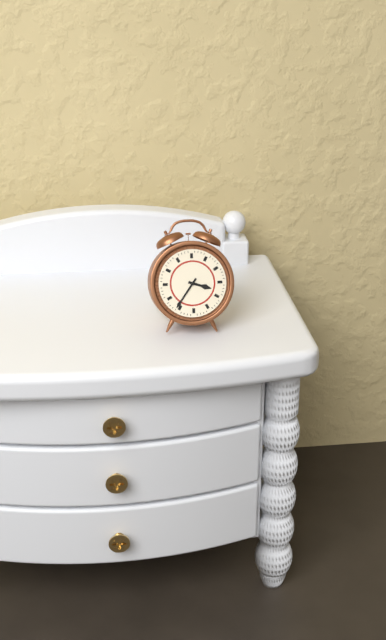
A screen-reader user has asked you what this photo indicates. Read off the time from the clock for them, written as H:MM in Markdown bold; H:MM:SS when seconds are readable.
**3:36**
